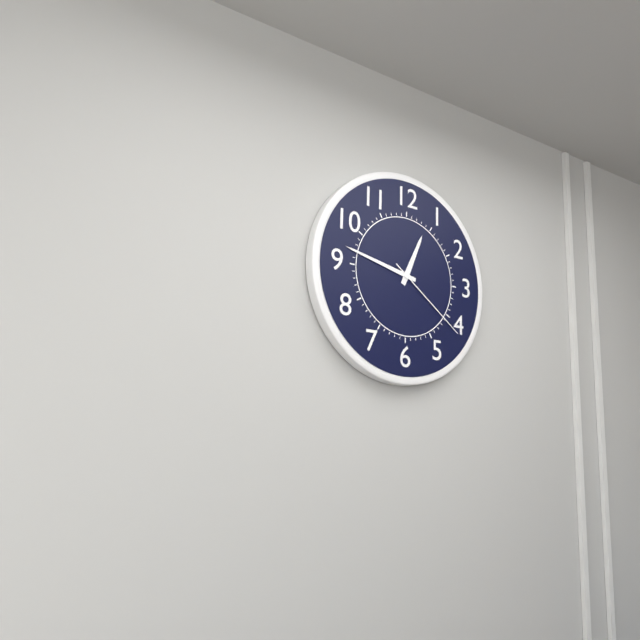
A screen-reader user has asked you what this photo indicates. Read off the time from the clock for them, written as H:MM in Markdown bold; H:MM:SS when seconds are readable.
**12:47:21**
